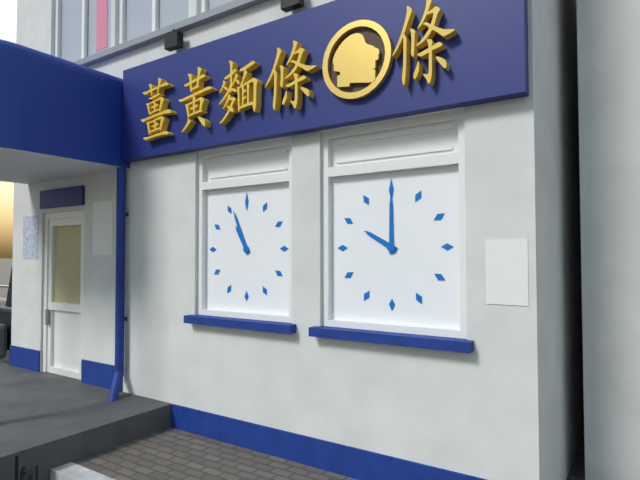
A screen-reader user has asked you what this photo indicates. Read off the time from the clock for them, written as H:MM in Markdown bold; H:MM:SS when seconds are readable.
**10:56**
